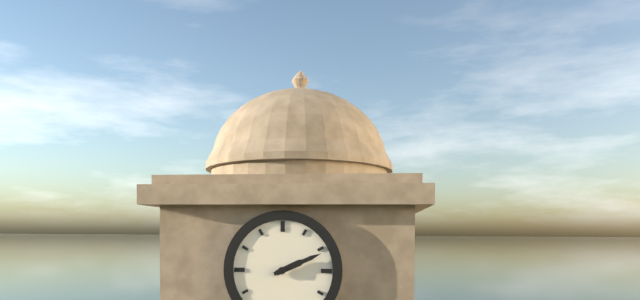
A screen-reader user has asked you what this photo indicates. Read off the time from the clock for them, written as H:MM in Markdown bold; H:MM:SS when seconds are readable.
**2:11**
